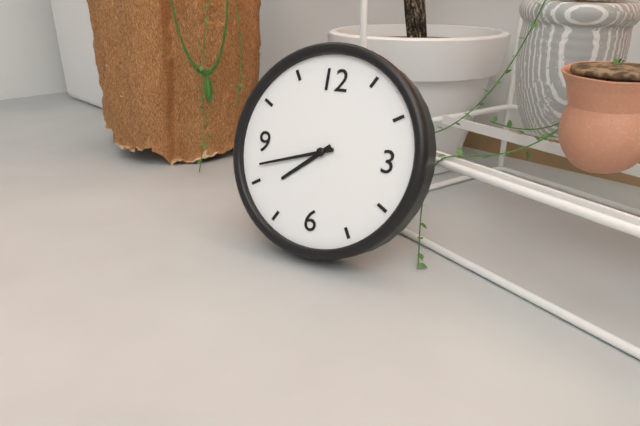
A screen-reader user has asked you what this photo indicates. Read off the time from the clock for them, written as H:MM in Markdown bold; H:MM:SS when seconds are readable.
**7:42**
